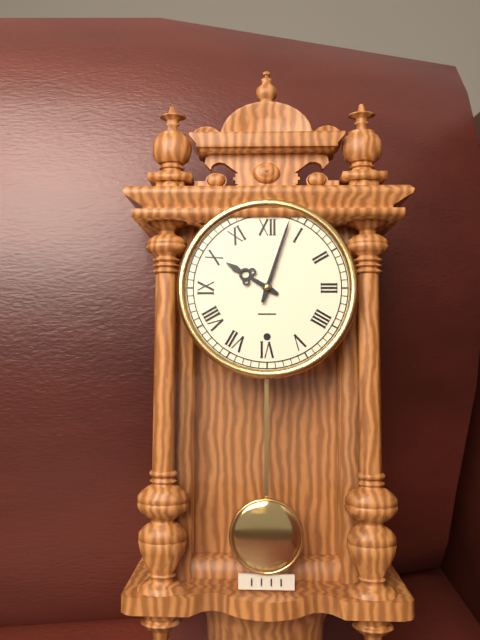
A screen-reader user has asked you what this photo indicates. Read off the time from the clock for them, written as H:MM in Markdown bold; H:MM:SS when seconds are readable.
**10:03**
